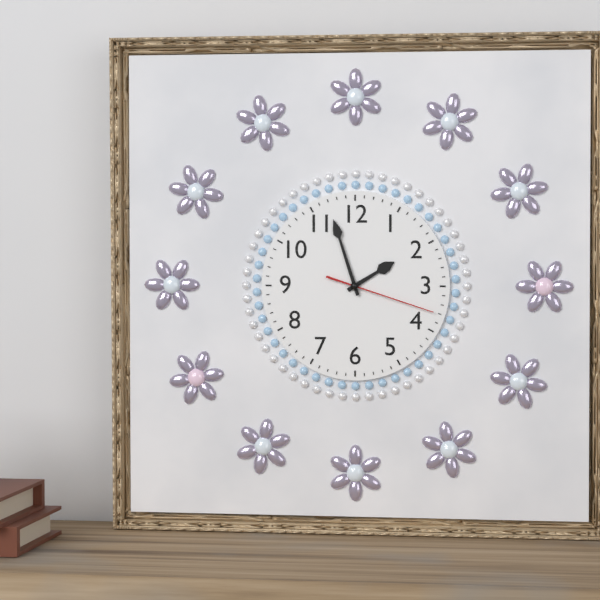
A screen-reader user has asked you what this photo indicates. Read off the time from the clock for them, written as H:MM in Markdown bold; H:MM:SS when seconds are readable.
**1:57:18**
